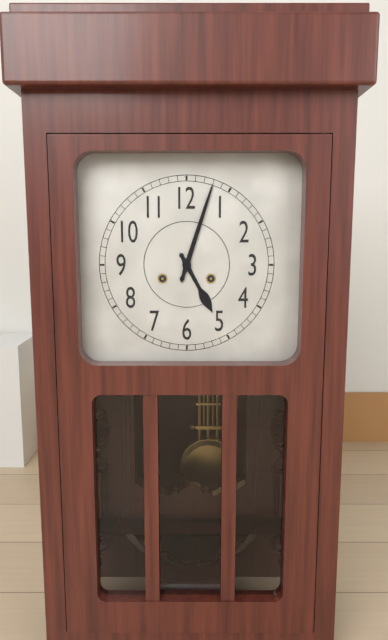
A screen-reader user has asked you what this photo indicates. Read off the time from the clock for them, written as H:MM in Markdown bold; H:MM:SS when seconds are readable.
**5:03**
